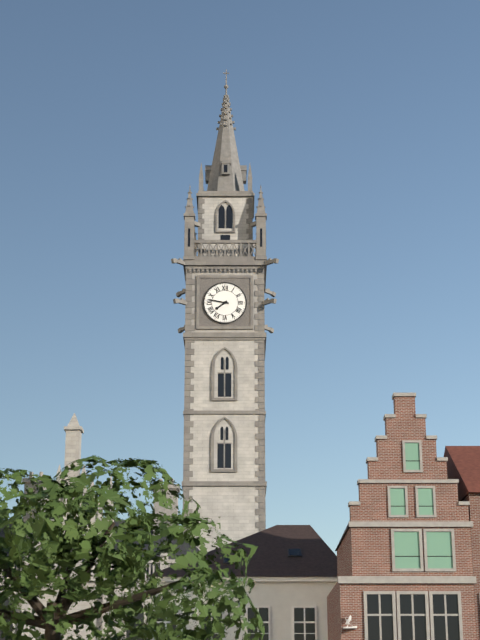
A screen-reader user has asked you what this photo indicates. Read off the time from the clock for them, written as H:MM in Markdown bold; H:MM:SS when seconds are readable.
**7:47**
